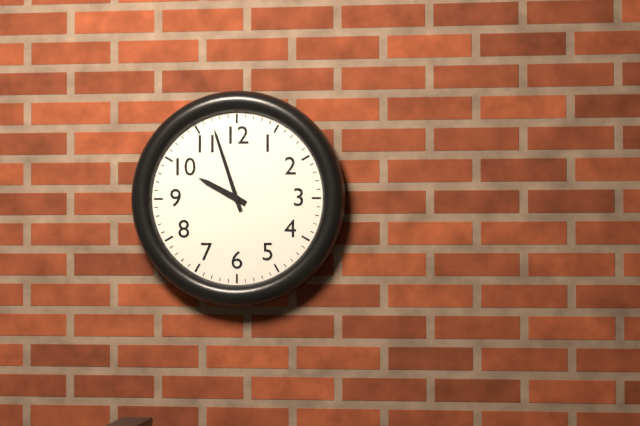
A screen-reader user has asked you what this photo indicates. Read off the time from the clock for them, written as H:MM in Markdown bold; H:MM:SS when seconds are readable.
**9:57**
